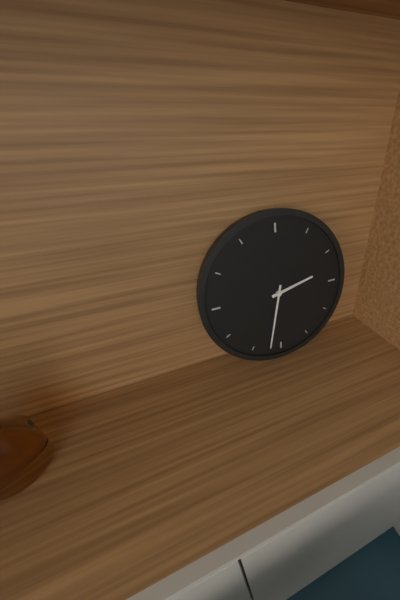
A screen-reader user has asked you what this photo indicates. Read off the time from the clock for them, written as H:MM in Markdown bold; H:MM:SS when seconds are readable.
**2:32**
